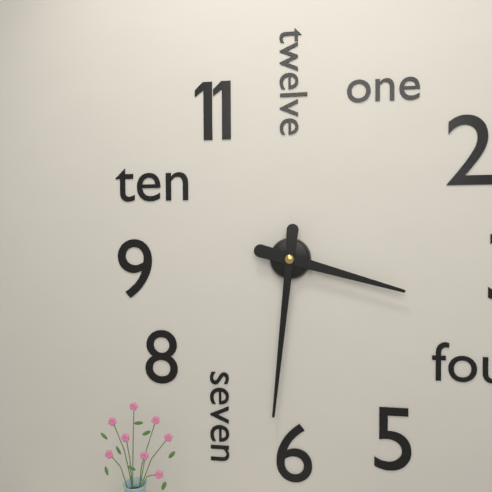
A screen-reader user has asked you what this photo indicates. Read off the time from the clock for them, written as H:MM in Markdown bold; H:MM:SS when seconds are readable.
**3:31**
